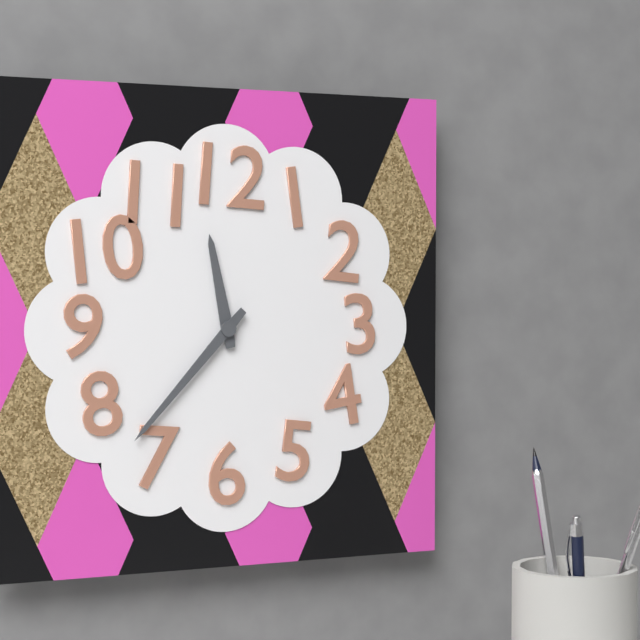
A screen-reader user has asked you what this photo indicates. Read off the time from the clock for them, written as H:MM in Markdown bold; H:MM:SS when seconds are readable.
**11:37**
